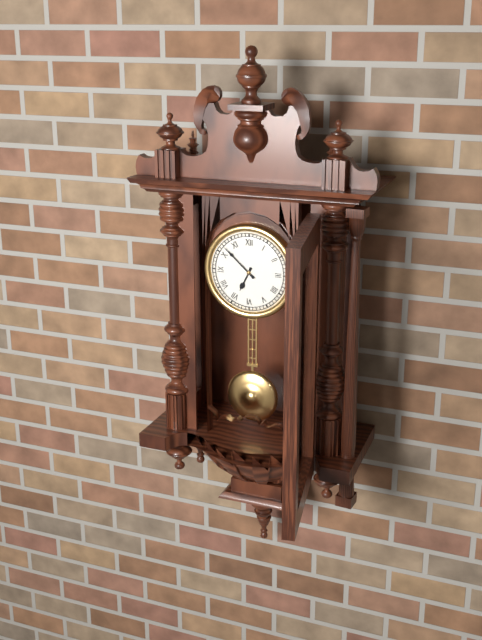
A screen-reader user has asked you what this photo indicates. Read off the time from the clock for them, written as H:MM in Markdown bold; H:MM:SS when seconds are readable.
**6:52**
